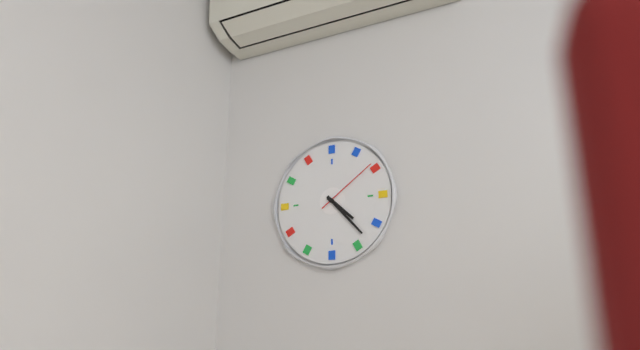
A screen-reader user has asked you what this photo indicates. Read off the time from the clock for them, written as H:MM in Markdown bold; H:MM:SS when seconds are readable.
**4:23:09**
